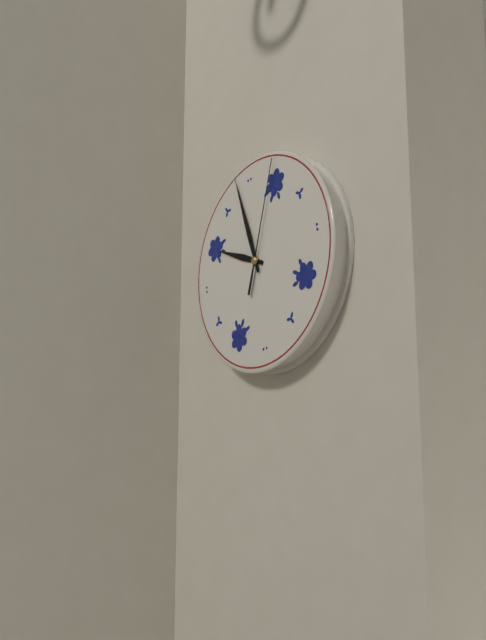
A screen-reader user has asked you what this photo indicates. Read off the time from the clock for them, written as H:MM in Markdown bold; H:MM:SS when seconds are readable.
**9:58:04**
